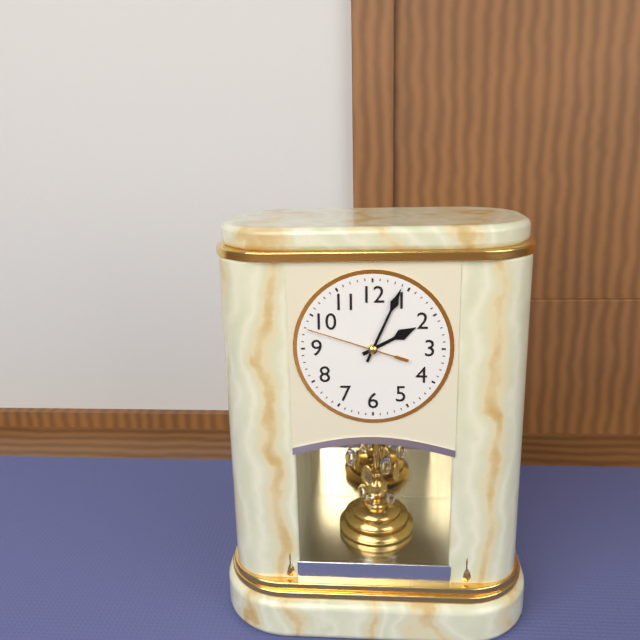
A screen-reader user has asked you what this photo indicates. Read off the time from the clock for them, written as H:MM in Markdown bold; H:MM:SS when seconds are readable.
**2:04:48**
